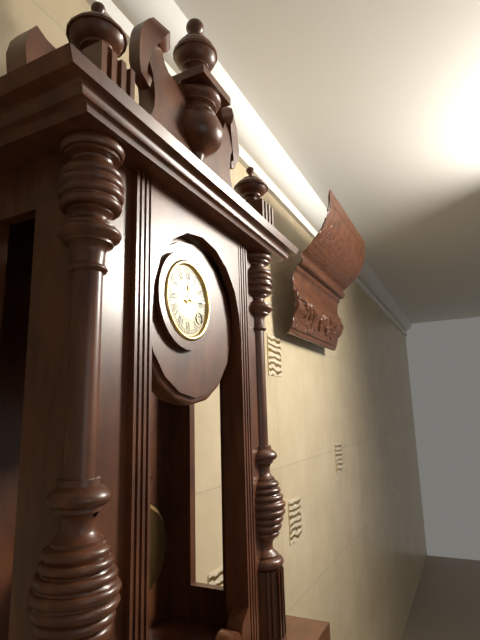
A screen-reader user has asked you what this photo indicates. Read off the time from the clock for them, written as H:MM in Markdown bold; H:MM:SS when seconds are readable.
**12:14**
